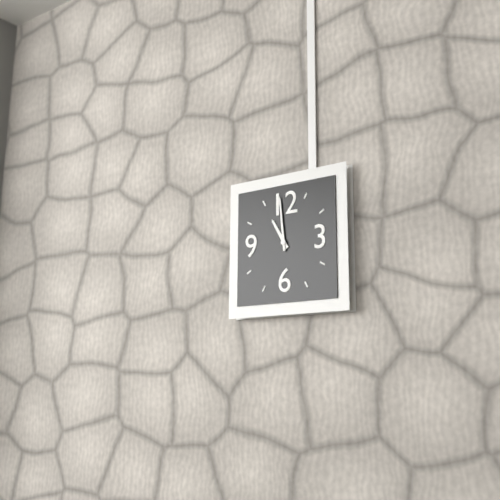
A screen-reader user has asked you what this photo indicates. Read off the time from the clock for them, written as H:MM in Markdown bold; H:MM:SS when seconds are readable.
**10:59**
